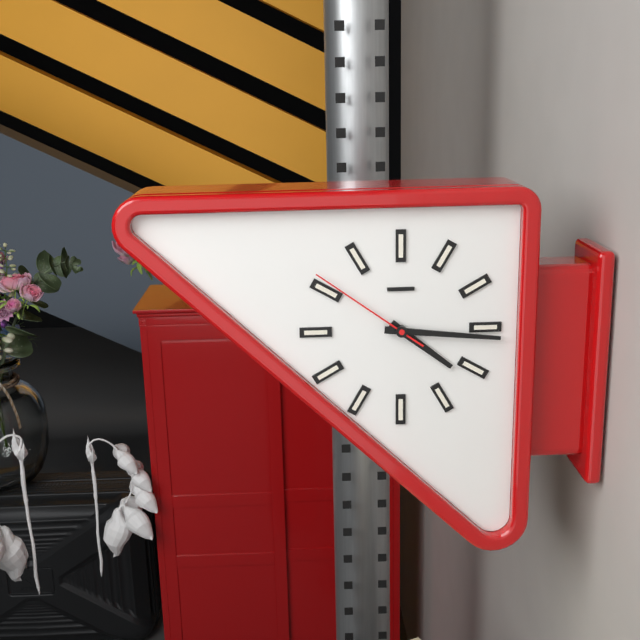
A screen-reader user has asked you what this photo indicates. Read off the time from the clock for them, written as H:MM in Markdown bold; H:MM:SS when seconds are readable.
**4:16:51**
